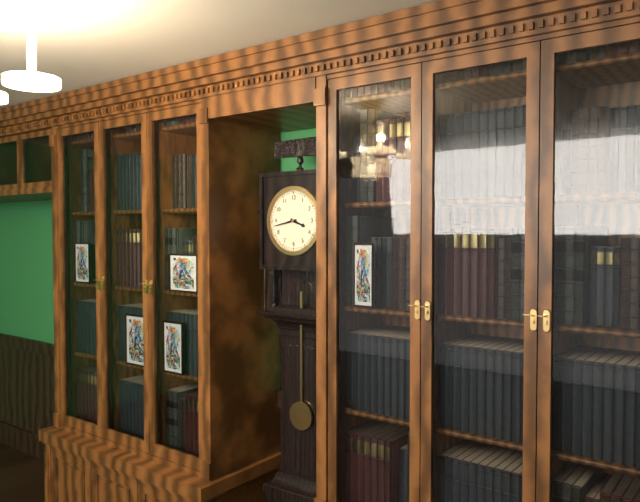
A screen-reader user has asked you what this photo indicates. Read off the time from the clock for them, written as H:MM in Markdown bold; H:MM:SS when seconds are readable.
**3:43**
